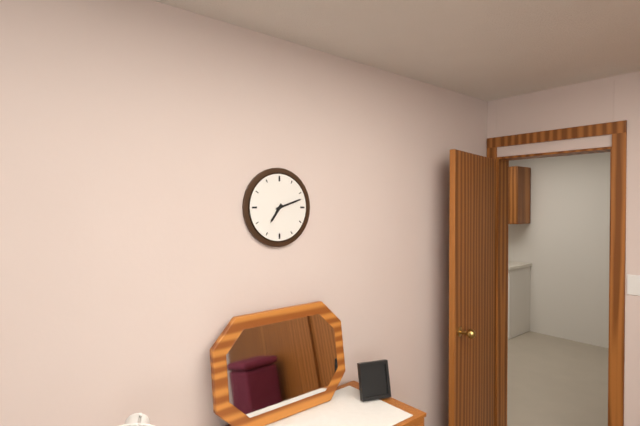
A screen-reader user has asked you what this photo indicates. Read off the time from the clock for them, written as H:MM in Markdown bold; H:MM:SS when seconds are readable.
**7:12**
